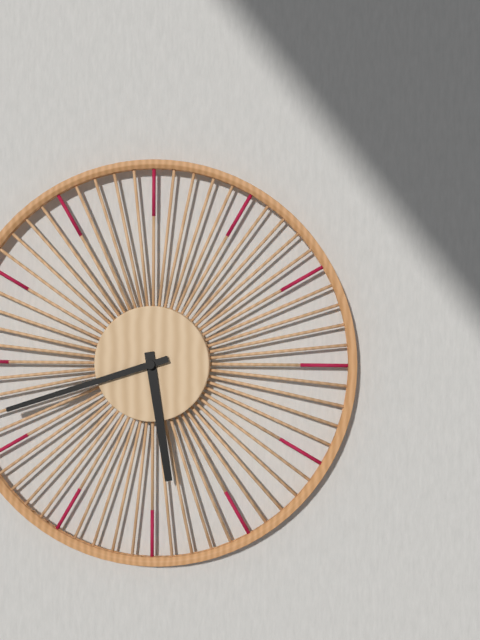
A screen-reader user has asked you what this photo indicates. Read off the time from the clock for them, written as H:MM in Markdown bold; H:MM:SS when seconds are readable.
**5:42**
